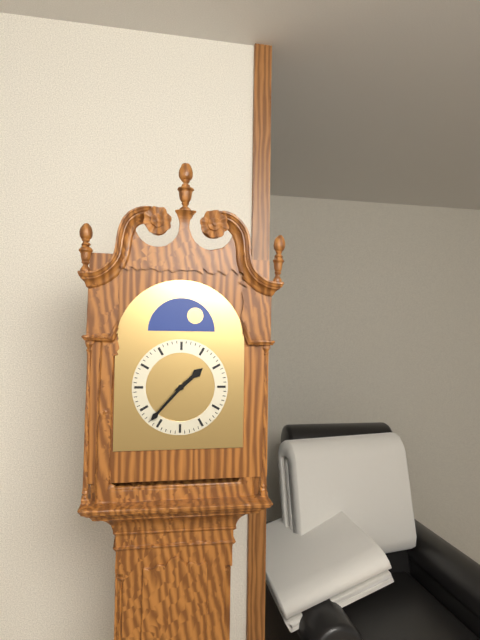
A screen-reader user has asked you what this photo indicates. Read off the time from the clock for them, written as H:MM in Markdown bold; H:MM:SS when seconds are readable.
**1:37**
